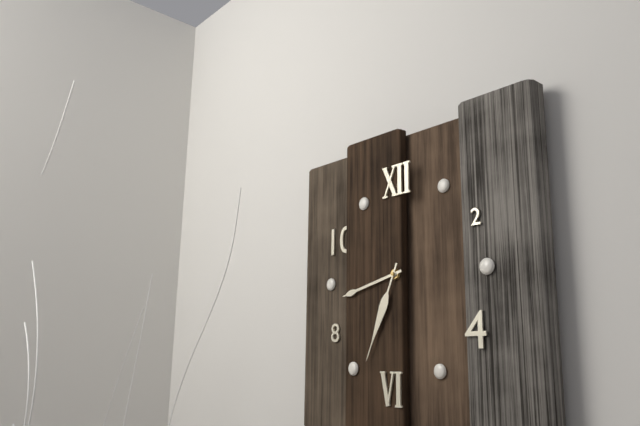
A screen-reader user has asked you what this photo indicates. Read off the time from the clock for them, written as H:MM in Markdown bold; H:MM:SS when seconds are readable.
**8:34**
